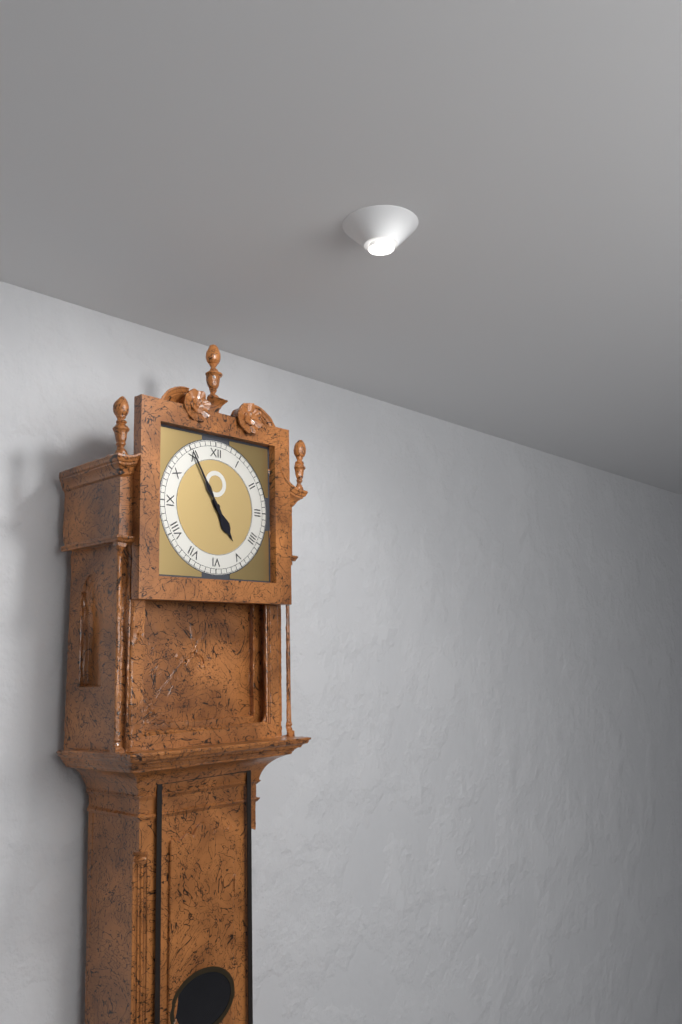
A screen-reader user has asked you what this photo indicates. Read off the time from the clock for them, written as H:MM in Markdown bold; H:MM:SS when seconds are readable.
**4:55**
